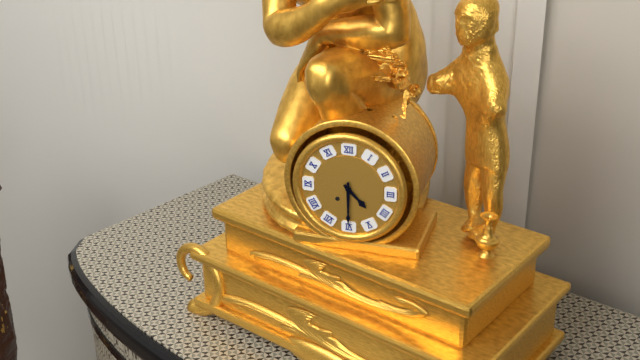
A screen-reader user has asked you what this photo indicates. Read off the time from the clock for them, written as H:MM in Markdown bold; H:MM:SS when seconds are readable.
**4:30**
